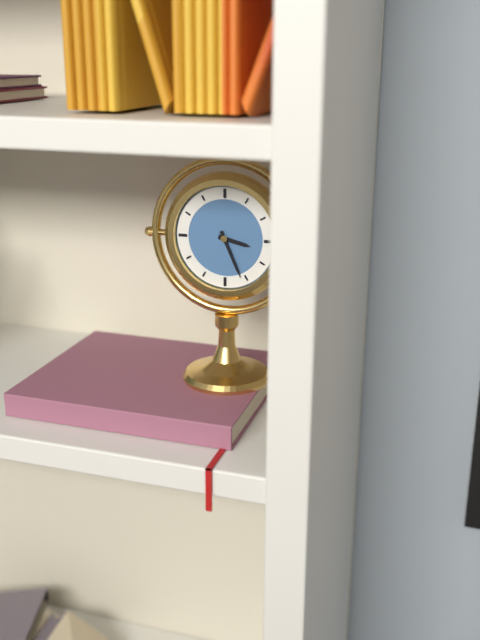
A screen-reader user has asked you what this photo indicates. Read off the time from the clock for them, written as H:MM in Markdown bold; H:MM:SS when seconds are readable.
**3:26**
